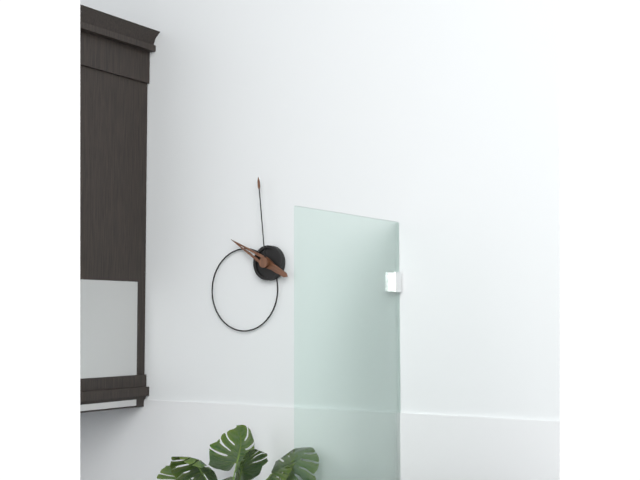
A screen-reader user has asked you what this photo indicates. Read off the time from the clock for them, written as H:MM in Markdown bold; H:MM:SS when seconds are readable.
**9:59**
